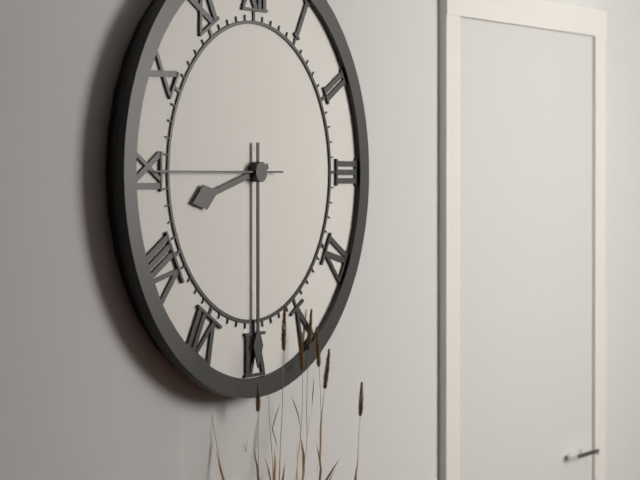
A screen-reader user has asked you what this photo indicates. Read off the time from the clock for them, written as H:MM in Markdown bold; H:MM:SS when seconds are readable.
**8:30:45**
